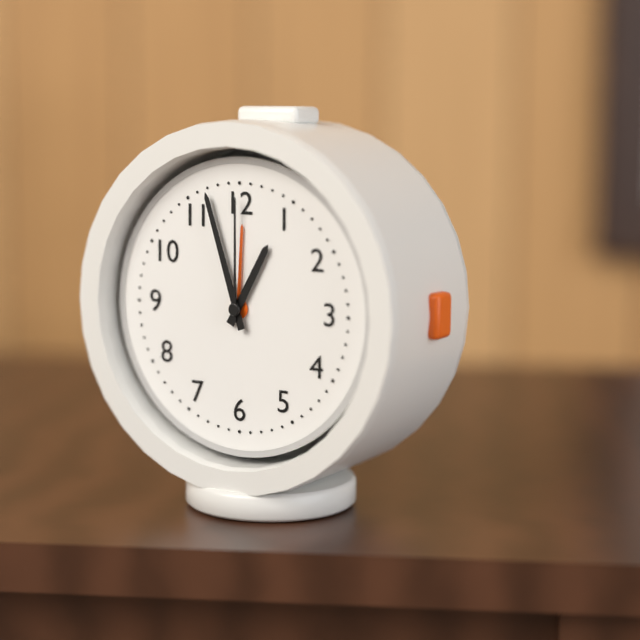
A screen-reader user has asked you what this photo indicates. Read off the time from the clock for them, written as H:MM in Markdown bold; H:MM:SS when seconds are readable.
**12:57:00**
